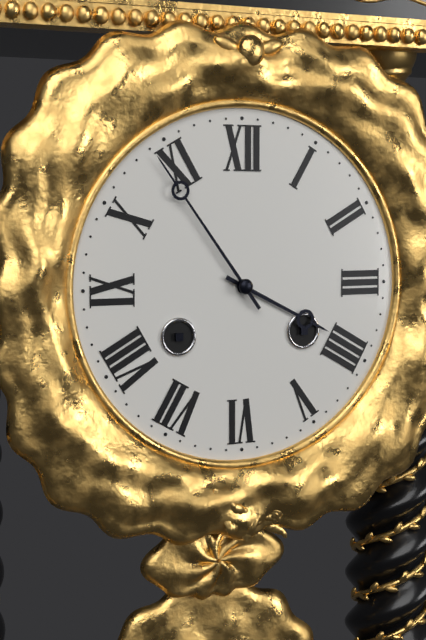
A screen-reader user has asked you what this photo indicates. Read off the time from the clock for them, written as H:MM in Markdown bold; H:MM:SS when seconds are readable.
**3:54**
